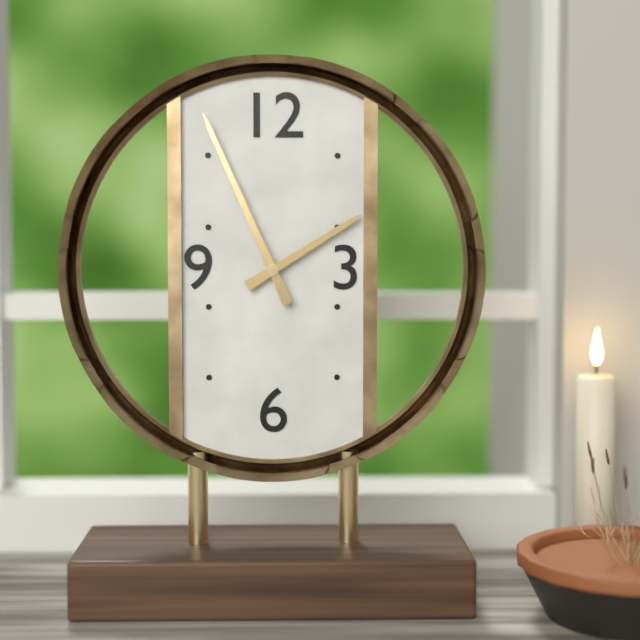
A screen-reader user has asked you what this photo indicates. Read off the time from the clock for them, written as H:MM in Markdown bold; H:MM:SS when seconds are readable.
**1:56**
